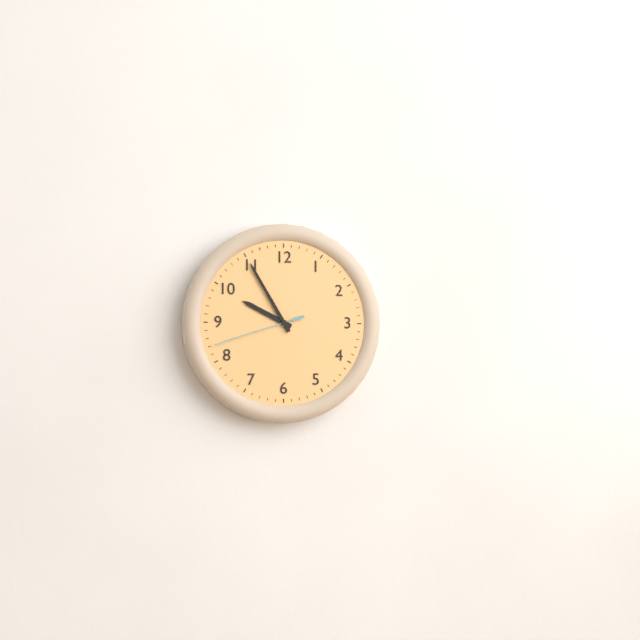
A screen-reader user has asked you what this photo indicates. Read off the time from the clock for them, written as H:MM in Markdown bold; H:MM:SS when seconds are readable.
**9:55:42**
